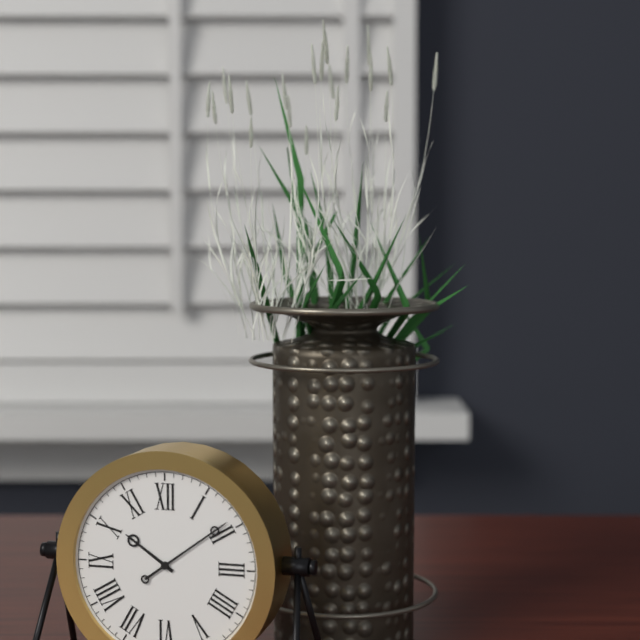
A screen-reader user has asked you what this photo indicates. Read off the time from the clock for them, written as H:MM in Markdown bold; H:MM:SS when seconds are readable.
**10:09**
